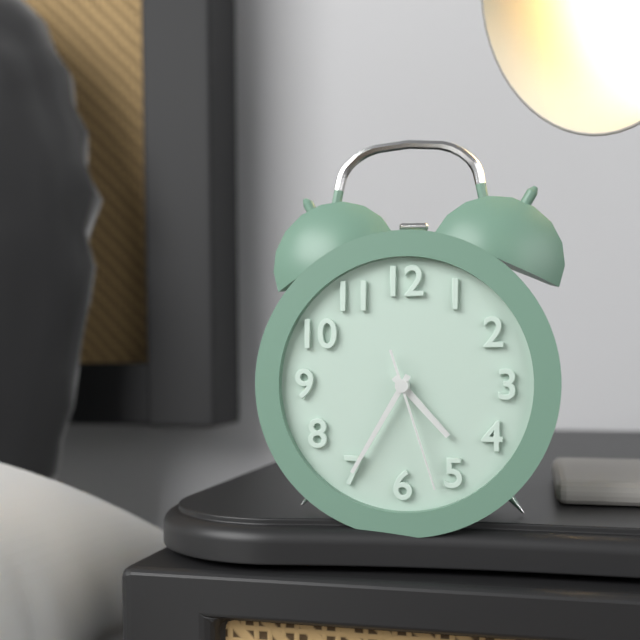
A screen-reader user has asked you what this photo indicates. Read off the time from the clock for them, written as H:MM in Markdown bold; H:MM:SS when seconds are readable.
**4:35:27**
